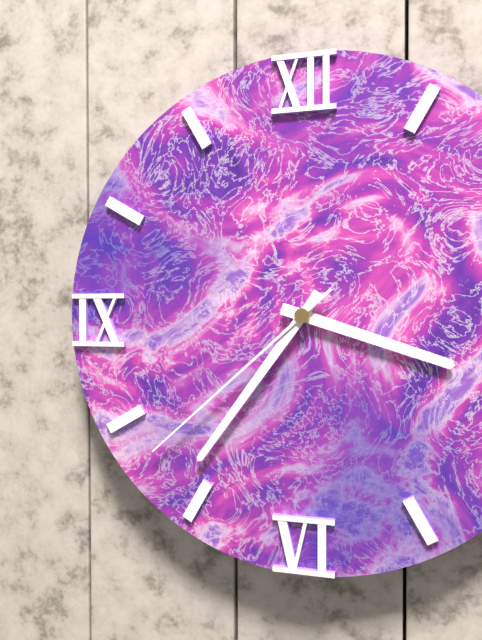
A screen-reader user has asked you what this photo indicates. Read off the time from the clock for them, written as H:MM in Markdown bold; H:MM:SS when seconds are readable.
**3:36:38**
